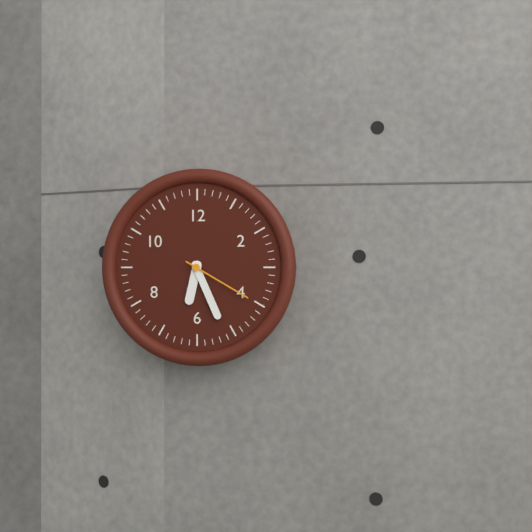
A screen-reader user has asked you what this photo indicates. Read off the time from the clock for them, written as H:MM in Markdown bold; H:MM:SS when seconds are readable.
**6:26:20**
